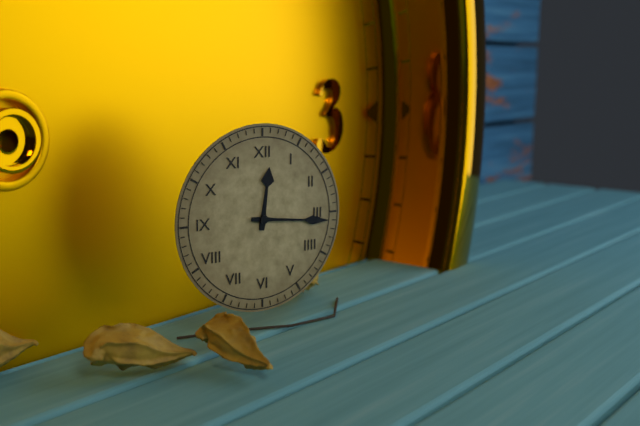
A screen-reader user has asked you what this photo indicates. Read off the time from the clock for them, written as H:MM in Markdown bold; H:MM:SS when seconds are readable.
**12:16**
